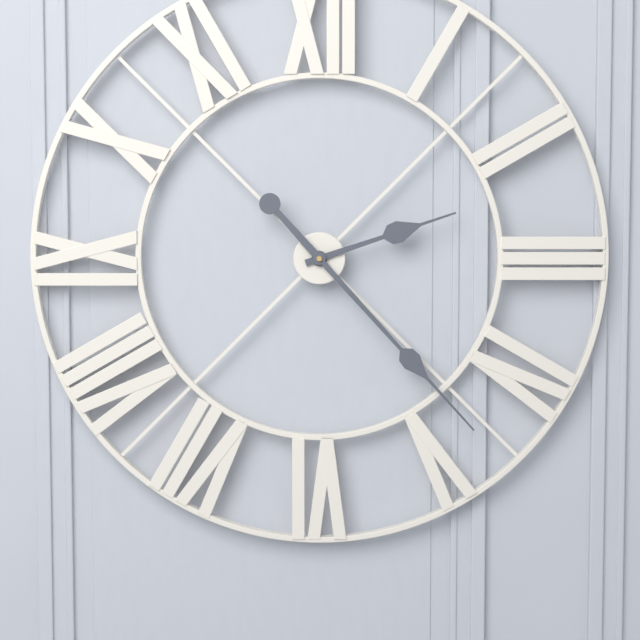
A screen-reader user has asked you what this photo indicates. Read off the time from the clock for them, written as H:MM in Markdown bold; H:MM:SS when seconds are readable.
**2:23**
